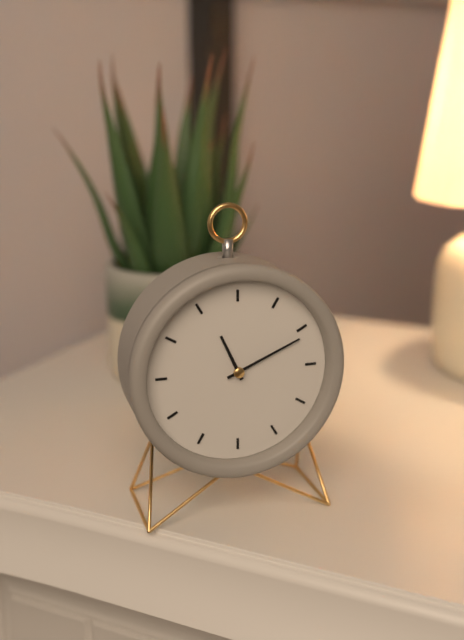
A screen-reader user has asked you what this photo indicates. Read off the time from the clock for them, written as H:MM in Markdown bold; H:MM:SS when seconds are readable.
**11:11**
